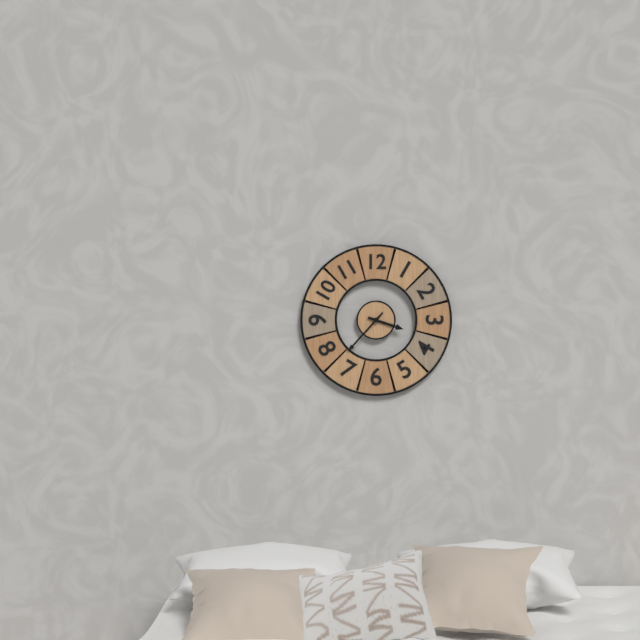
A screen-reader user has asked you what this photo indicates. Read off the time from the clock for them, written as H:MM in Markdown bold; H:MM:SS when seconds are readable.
**3:37**
